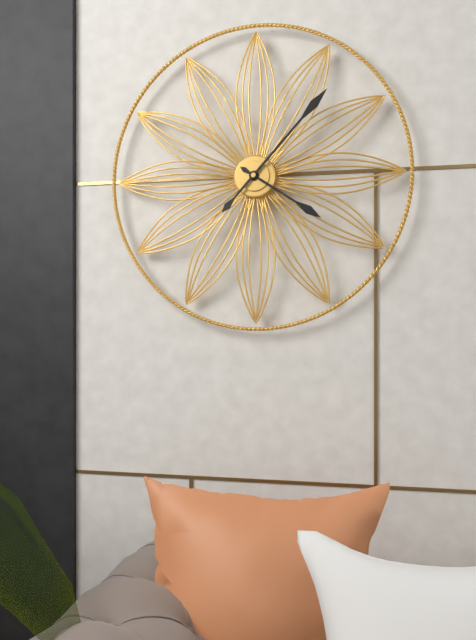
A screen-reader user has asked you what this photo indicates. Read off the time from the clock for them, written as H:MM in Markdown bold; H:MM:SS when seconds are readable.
**4:07**
